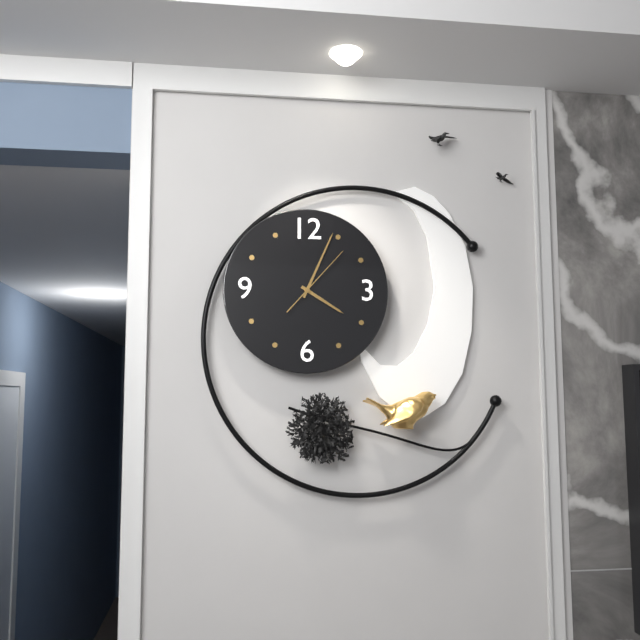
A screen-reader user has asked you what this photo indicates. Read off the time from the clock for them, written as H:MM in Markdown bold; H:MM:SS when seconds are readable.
**4:04:07**
